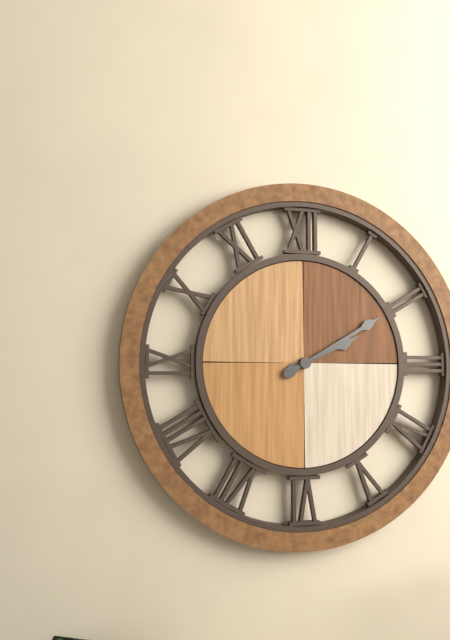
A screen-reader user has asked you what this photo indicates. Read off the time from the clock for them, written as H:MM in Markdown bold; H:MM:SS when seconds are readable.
**2:10**
